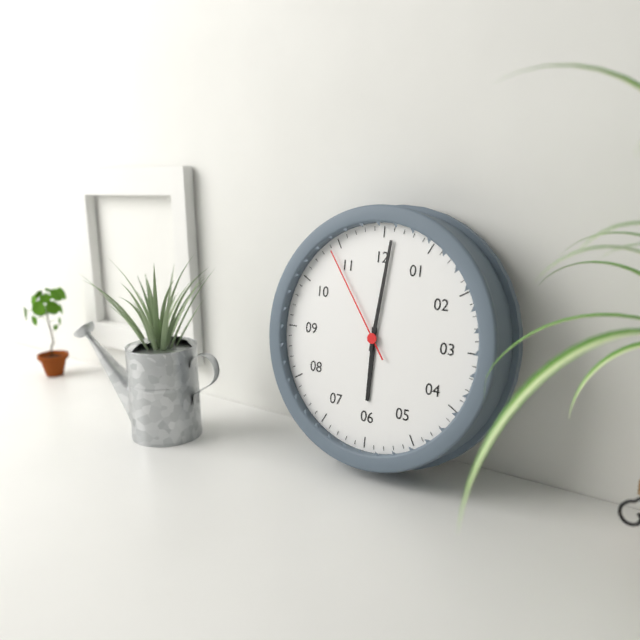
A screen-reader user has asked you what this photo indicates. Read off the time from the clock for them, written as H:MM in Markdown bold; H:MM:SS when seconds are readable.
**6:01:54**
